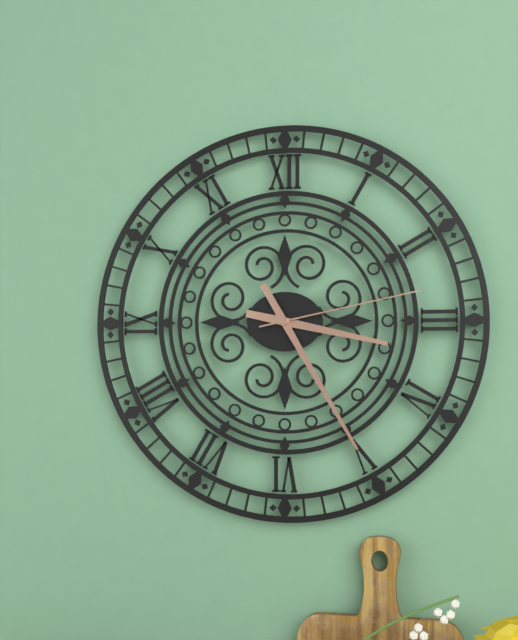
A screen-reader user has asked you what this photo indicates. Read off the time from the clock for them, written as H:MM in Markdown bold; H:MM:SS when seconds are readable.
**3:25:13**
